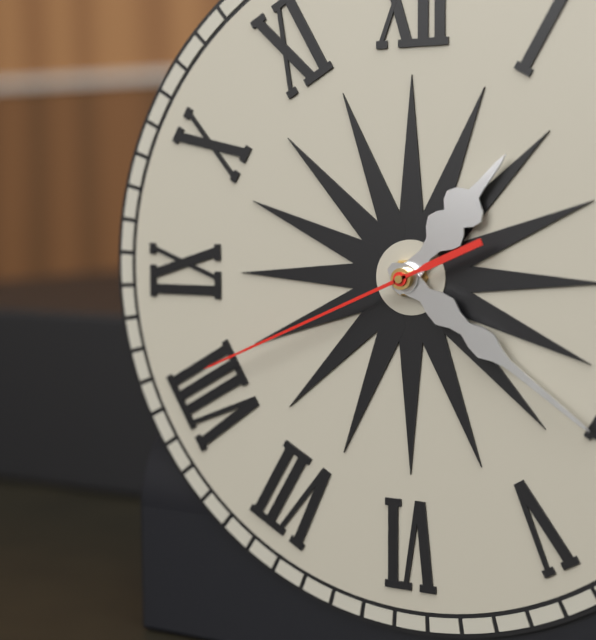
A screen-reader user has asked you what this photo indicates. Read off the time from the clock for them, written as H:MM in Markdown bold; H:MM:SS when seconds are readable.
**1:21:41**
